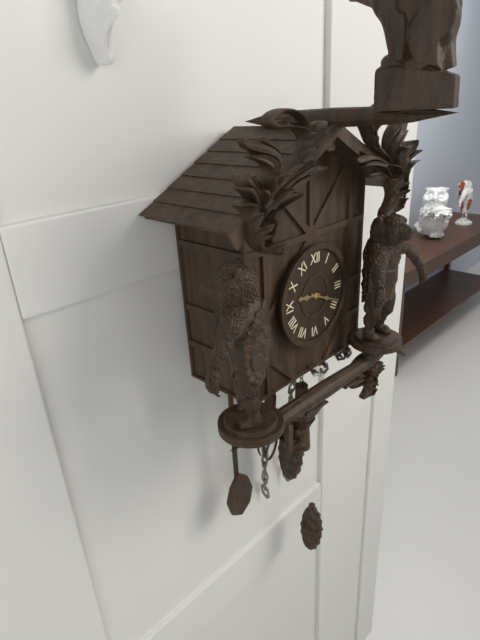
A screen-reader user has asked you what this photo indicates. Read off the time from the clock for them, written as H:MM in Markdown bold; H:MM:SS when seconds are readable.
**9:19**
